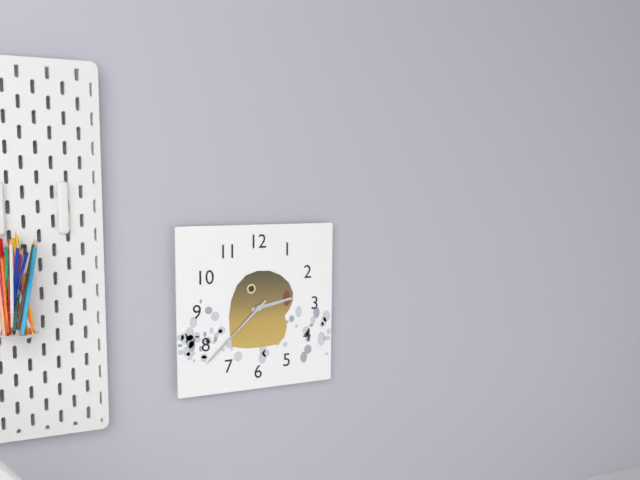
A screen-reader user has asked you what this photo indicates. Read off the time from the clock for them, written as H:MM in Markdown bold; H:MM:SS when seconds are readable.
**2:38**
